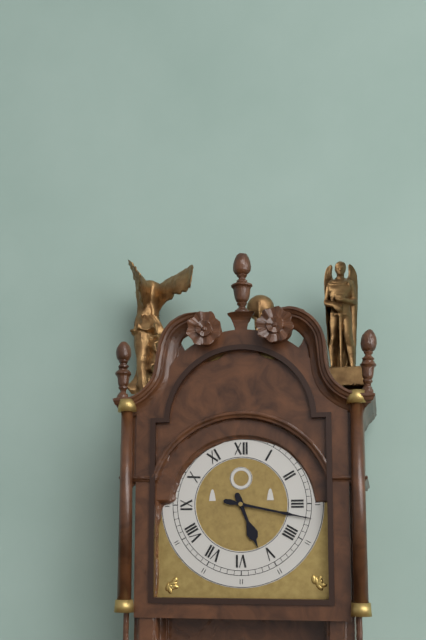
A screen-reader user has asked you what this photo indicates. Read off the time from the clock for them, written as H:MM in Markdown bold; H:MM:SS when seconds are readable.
**5:17**
